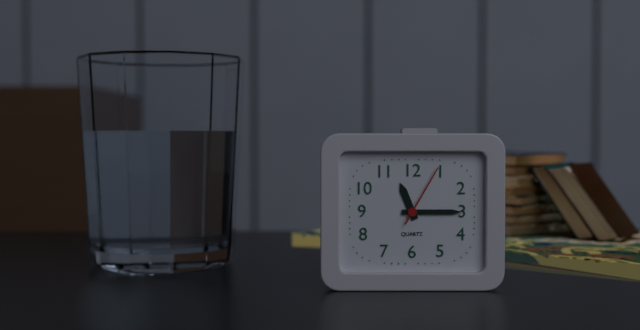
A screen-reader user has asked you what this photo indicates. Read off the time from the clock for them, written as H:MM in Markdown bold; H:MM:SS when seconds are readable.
**11:15:05**
